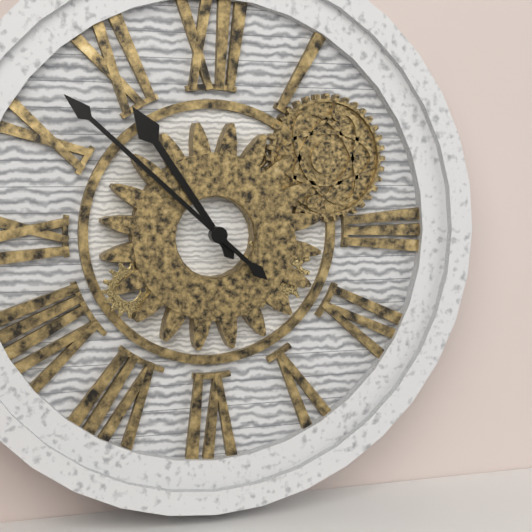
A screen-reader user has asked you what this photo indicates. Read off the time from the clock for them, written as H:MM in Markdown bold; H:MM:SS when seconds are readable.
**10:52**
